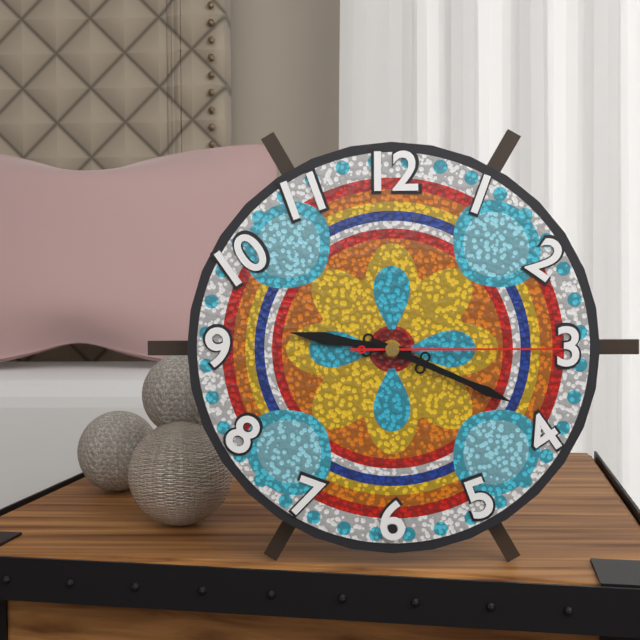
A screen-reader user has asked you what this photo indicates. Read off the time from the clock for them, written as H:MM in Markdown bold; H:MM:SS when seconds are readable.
**9:19:15**
